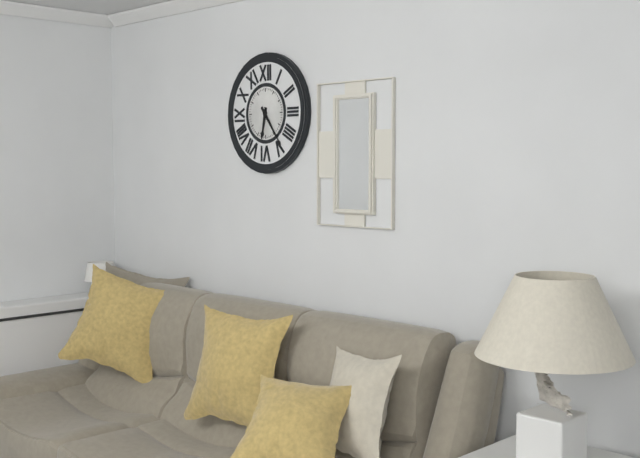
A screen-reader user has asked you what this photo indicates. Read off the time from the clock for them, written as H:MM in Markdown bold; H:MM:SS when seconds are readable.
**6:24**
